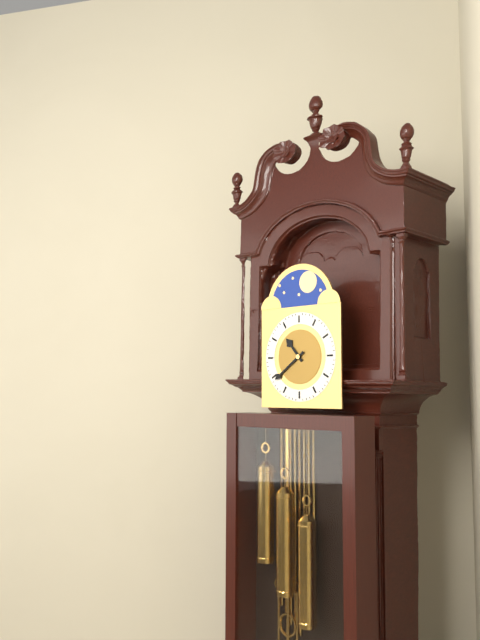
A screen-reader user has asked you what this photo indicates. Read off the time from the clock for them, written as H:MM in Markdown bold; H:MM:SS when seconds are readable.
**10:39**
